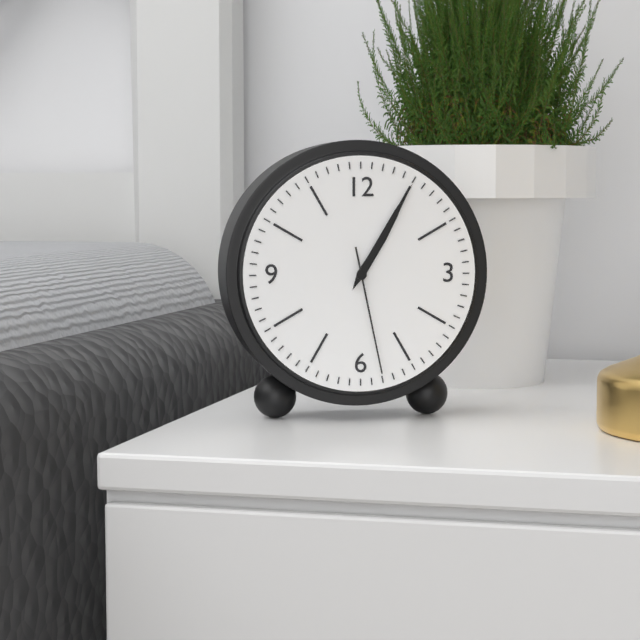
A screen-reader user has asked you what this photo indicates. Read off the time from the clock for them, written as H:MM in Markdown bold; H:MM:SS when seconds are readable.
**1:05:28**
